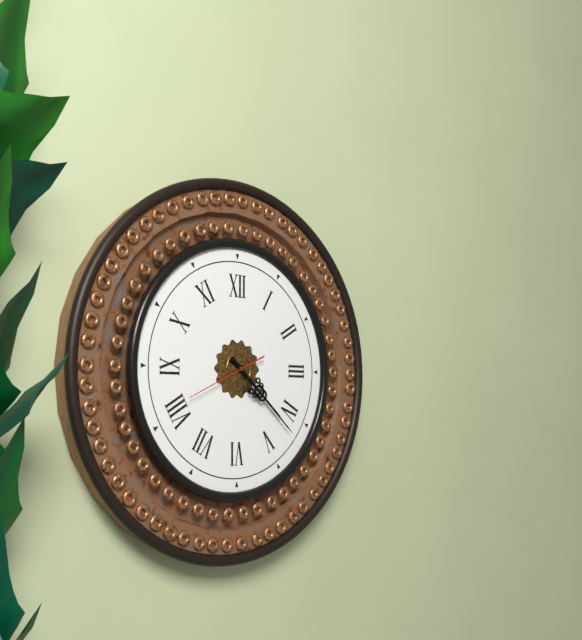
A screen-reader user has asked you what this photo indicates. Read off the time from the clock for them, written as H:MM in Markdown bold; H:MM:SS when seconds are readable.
**4:22:41**
